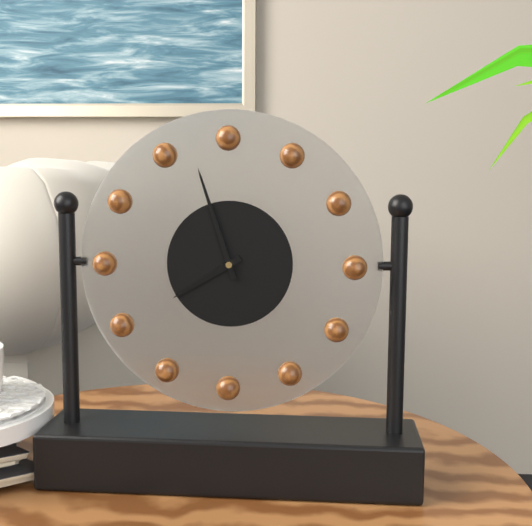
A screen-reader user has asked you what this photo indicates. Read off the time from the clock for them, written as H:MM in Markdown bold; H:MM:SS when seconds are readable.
**7:57**
